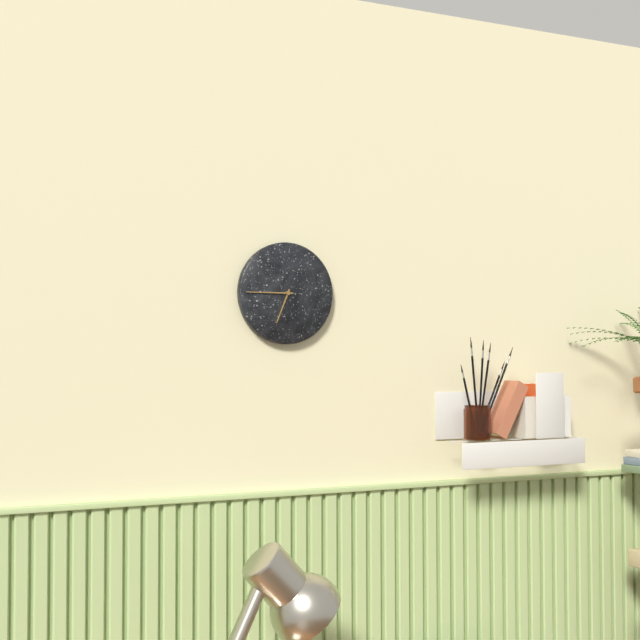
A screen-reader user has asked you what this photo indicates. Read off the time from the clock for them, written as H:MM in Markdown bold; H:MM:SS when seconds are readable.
**6:45**
